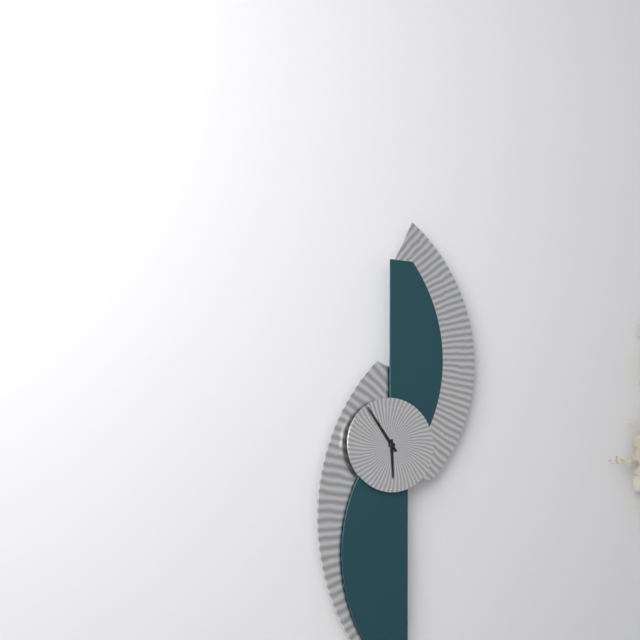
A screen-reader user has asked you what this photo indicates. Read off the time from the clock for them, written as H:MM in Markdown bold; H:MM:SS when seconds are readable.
**5:54**
